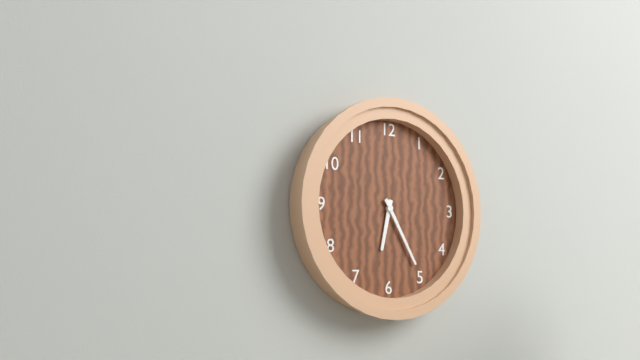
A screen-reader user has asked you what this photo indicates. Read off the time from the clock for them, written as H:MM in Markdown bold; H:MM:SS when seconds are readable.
**6:25**
